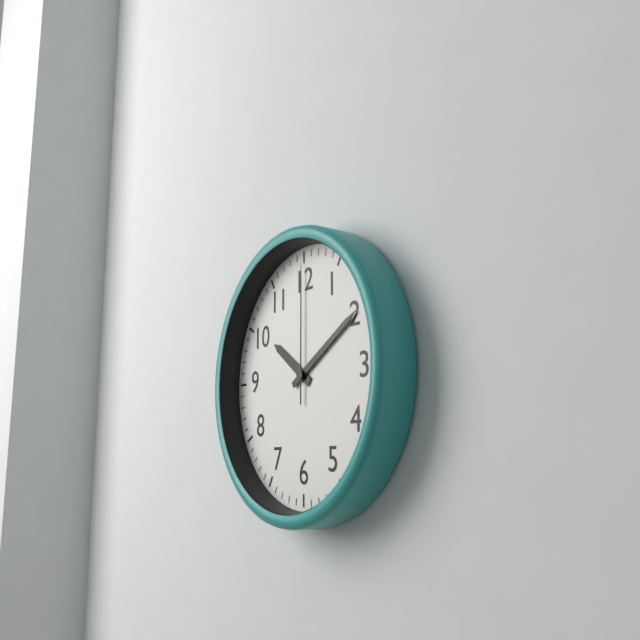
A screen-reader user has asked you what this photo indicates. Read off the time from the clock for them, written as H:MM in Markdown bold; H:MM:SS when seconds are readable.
**10:10:00**
